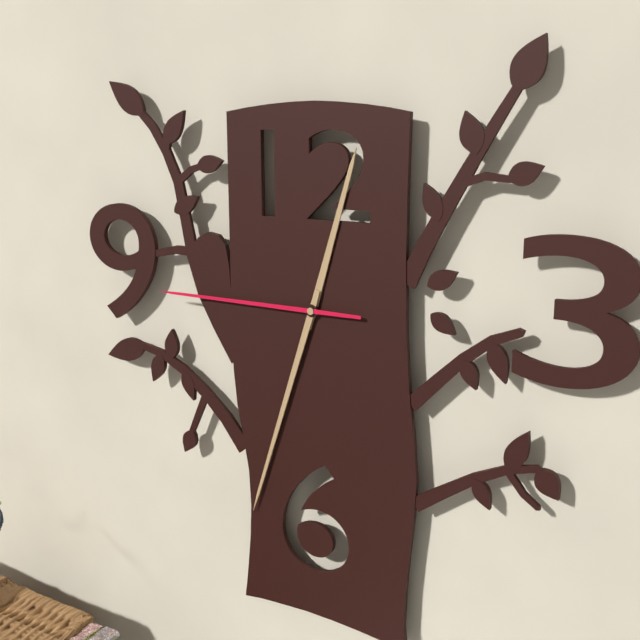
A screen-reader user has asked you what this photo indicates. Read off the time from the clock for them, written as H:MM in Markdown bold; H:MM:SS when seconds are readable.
**12:33:45**
